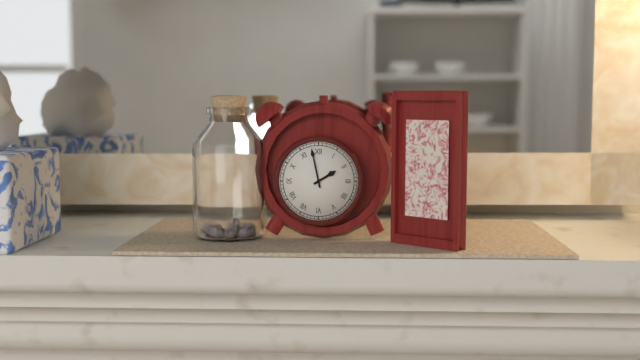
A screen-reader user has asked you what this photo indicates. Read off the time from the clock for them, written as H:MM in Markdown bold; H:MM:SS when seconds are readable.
**1:58**
